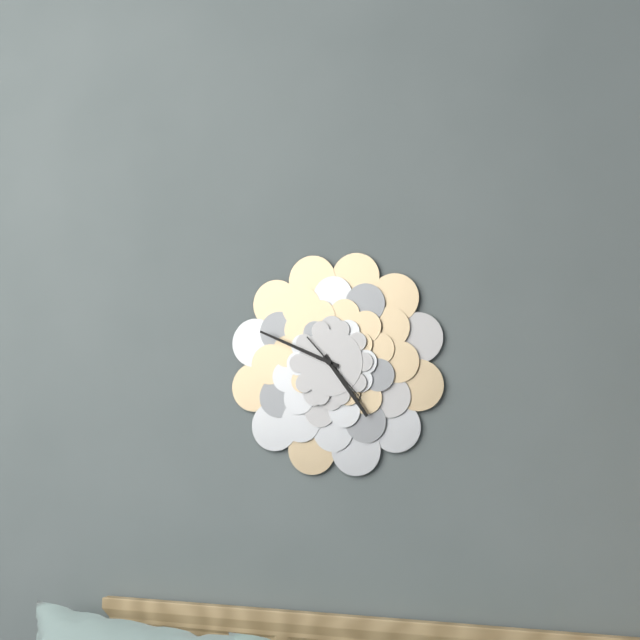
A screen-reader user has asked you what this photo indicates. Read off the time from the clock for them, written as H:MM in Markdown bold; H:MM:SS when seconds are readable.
**4:49:23**
